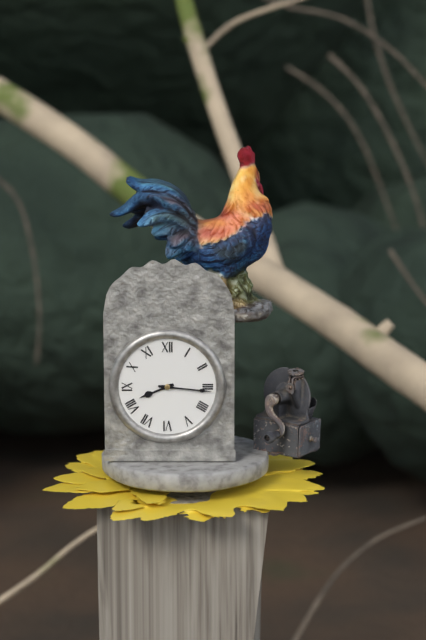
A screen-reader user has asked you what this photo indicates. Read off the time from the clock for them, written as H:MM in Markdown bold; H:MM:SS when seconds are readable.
**8:16**
